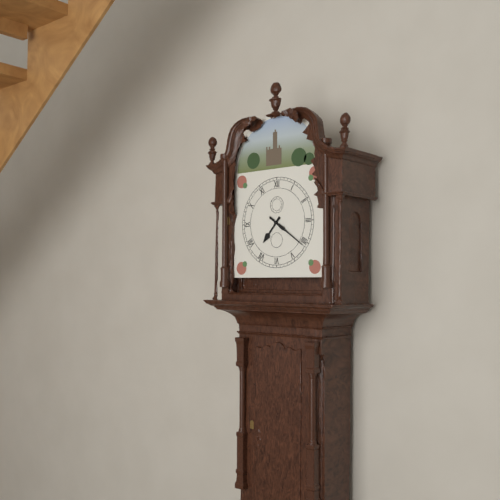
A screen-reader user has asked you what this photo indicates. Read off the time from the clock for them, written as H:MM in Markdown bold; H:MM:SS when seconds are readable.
**7:21**
